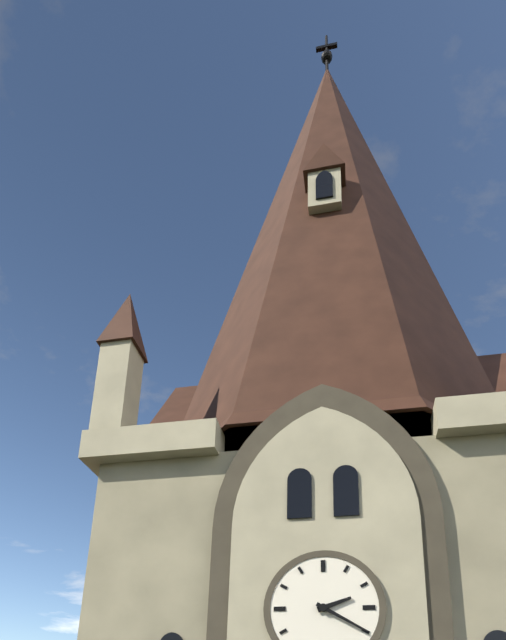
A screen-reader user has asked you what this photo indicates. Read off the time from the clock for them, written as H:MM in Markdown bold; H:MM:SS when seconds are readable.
**2:20**
